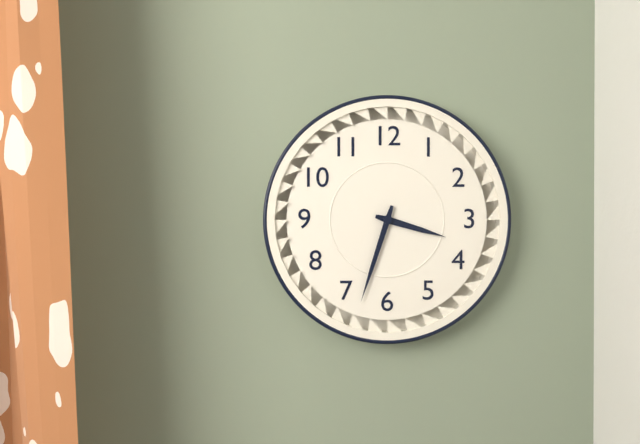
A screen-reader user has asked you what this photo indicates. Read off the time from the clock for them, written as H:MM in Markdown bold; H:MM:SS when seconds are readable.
**3:33**
